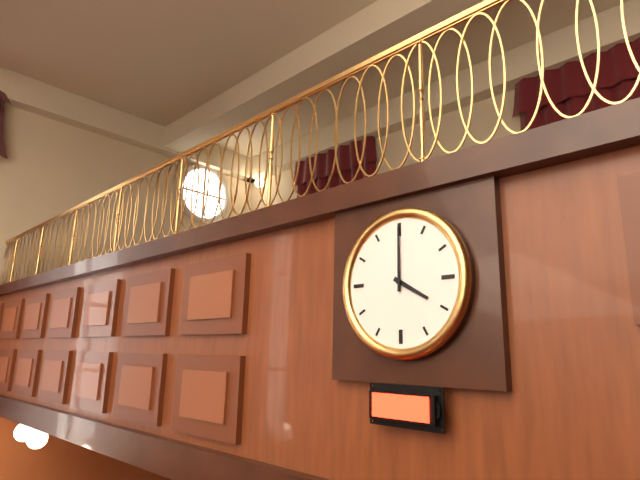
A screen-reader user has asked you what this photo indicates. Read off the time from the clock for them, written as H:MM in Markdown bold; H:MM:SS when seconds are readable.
**4:00**
